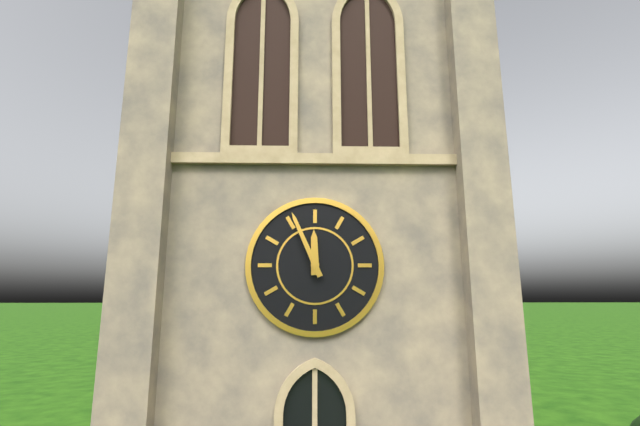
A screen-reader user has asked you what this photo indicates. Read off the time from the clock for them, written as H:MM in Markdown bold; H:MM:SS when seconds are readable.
**11:56**
